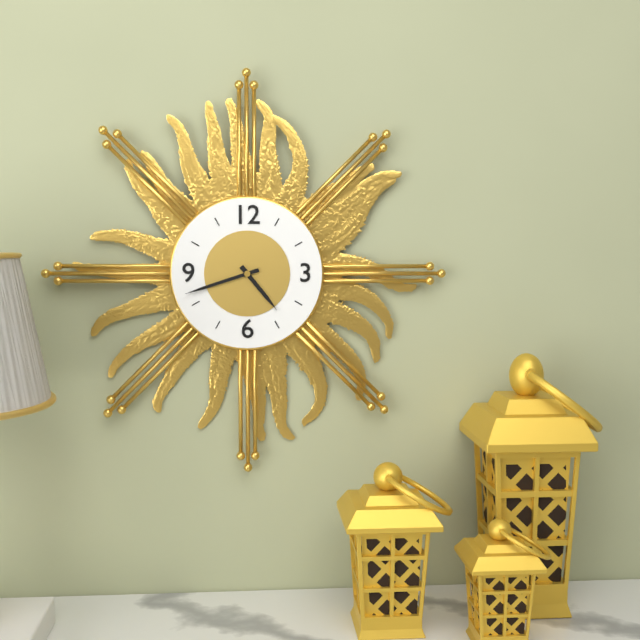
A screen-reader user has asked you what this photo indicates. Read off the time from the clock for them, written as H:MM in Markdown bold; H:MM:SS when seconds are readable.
**4:42**
